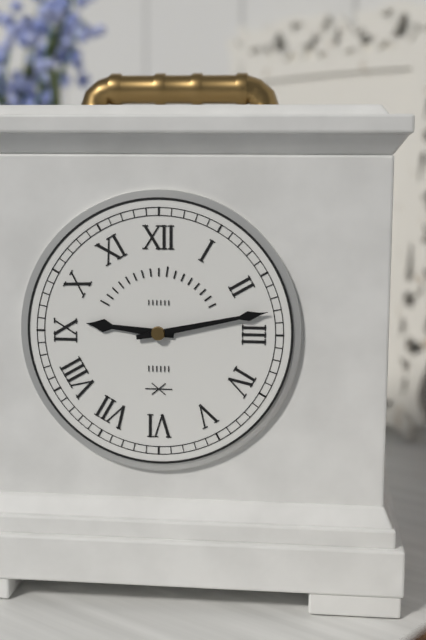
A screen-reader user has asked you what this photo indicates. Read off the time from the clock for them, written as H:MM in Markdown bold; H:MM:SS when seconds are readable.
**9:13**
